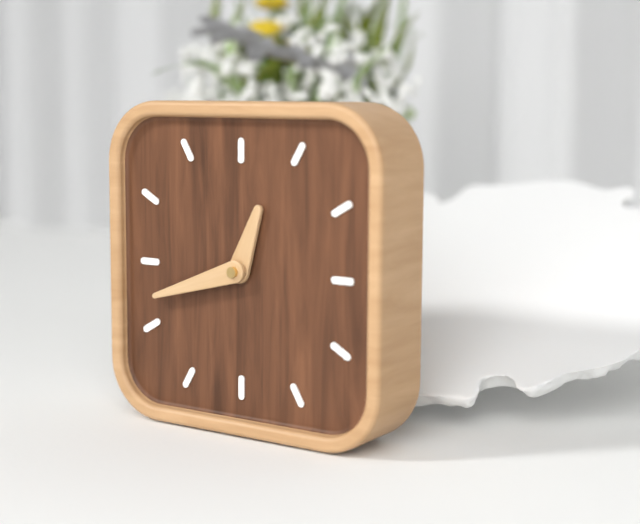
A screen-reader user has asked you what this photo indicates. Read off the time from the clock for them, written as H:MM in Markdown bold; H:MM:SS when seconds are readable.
**12:42**
